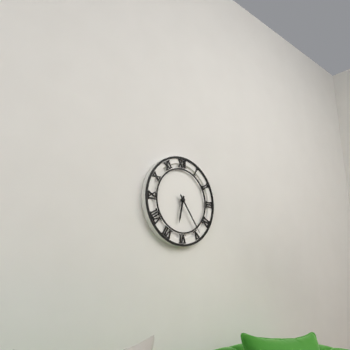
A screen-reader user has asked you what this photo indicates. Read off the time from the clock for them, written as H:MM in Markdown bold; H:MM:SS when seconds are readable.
**6:24**
